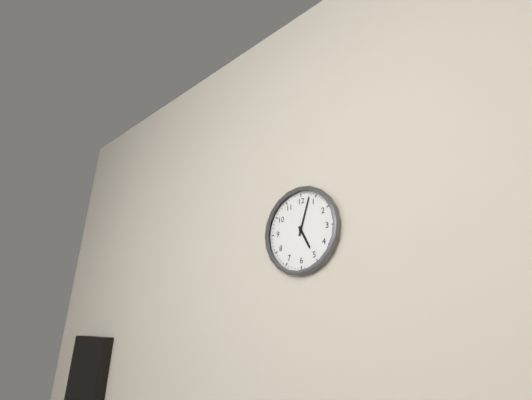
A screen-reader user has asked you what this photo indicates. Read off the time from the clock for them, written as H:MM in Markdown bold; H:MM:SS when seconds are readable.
**5:03**
